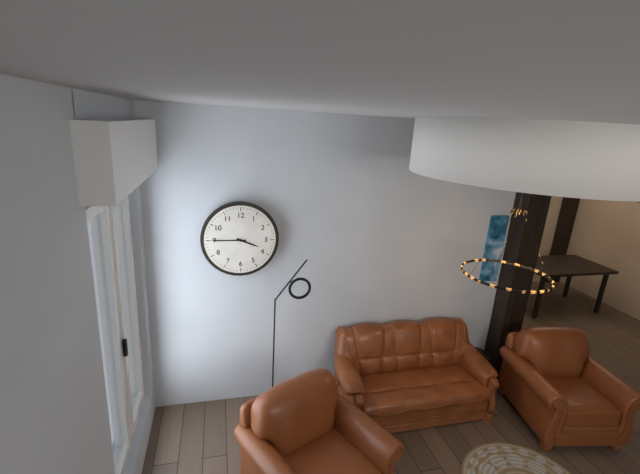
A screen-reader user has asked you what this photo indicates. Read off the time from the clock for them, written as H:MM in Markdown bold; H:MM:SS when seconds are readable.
**3:45**
